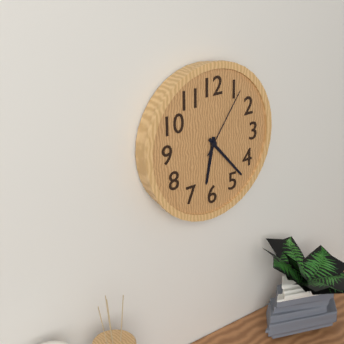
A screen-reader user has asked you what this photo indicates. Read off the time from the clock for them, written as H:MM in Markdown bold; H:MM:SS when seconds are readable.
**6:23:06**
